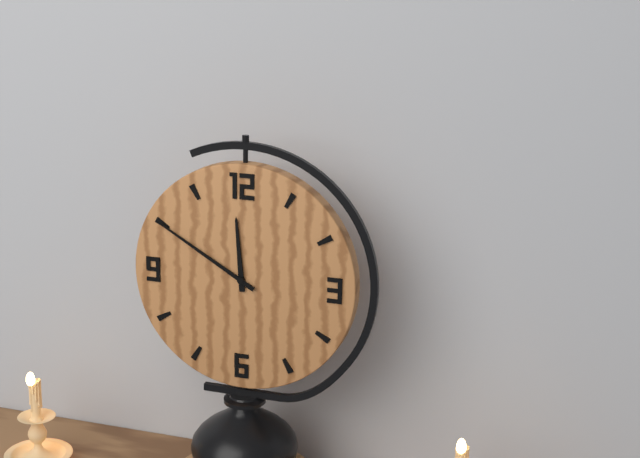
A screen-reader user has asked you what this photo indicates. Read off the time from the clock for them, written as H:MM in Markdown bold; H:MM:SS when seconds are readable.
**11:50**
